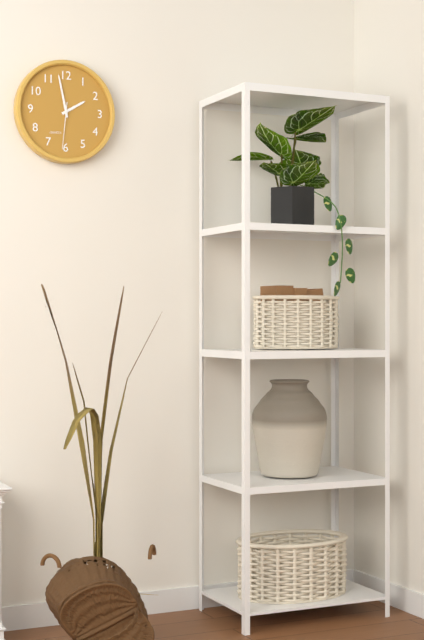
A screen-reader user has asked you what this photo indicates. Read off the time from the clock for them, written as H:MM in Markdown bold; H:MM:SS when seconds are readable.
**1:58**
